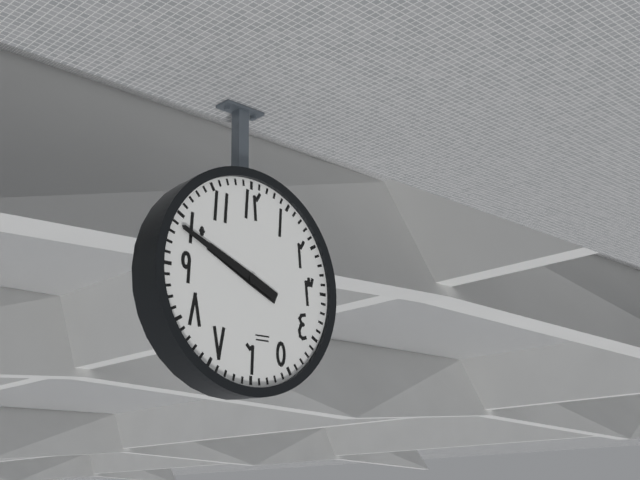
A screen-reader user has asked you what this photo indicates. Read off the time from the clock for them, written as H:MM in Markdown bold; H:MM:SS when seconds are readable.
**9:49**
